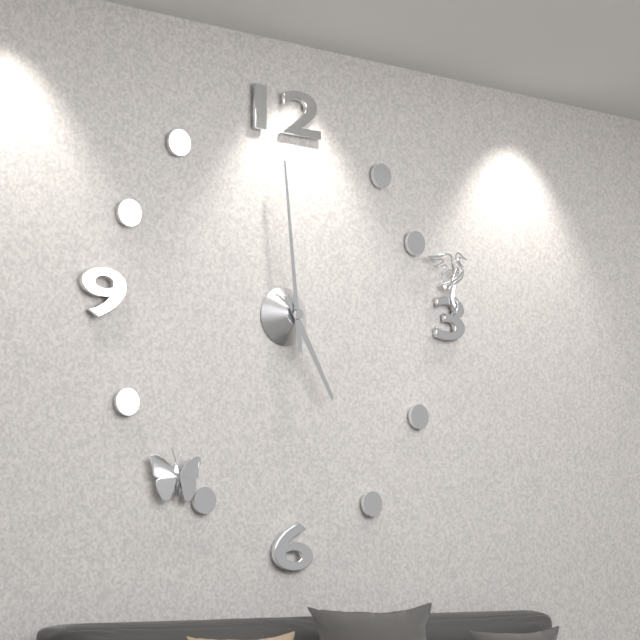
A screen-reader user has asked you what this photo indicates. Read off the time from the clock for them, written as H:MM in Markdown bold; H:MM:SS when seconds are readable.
**4:59**
